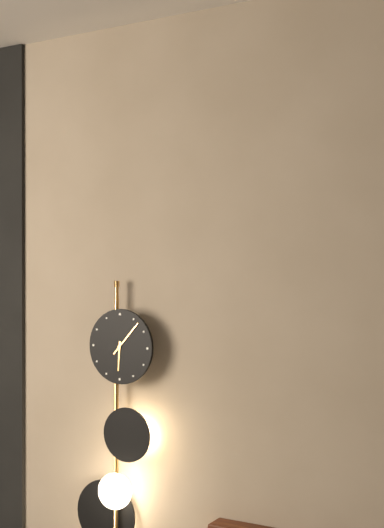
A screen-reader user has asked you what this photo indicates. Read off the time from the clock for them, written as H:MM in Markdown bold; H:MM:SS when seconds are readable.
**6:07**
